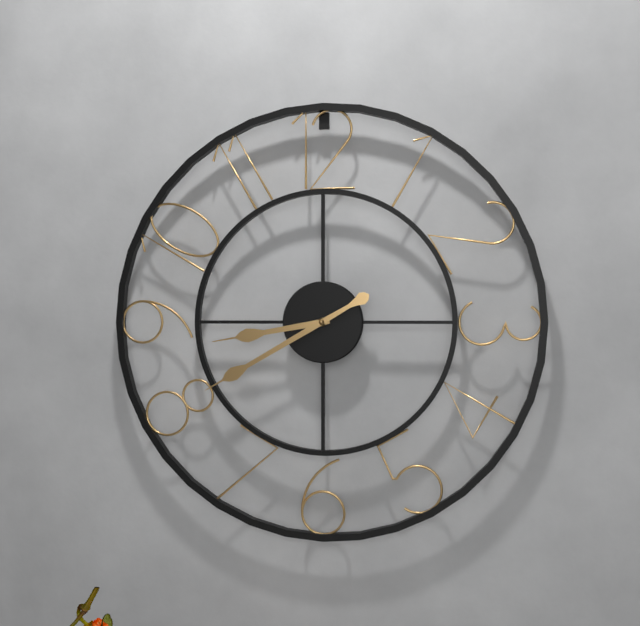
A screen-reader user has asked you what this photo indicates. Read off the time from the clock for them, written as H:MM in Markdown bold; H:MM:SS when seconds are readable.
**8:40**
